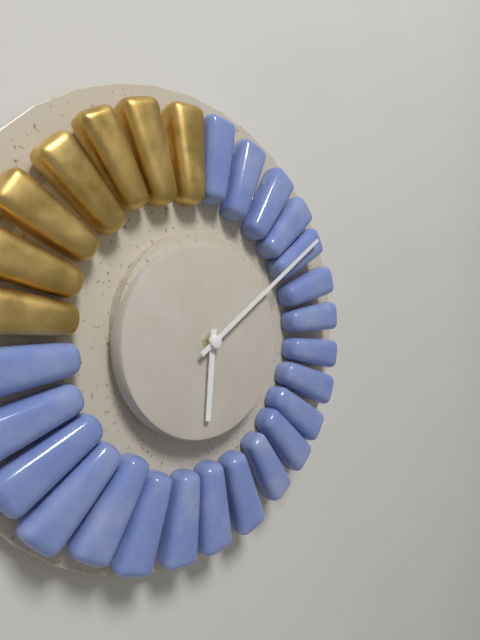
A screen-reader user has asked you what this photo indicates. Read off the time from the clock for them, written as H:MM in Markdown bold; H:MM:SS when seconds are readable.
**6:09**
